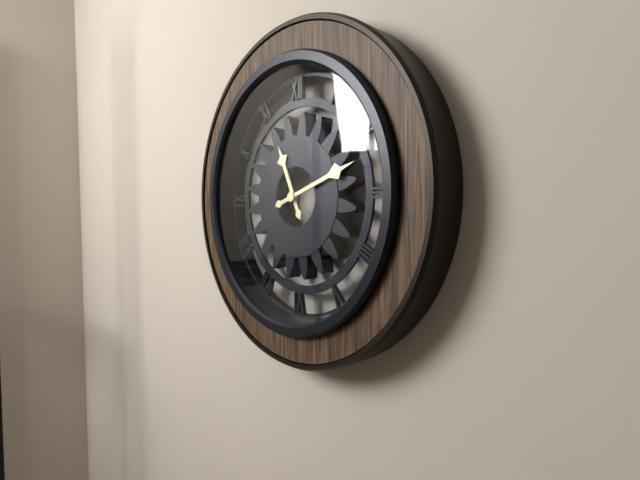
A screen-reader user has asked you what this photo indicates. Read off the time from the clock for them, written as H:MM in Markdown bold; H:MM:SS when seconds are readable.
**11:12**
